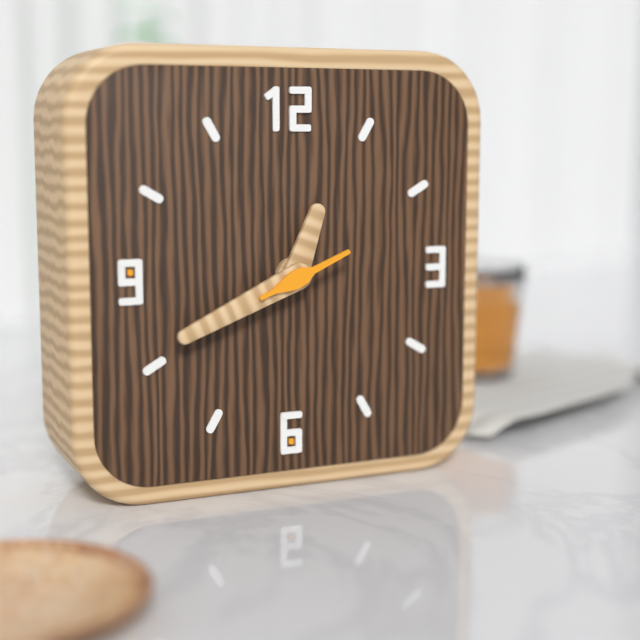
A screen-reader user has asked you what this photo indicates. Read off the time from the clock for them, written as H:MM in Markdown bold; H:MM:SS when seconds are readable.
**12:41:11**
